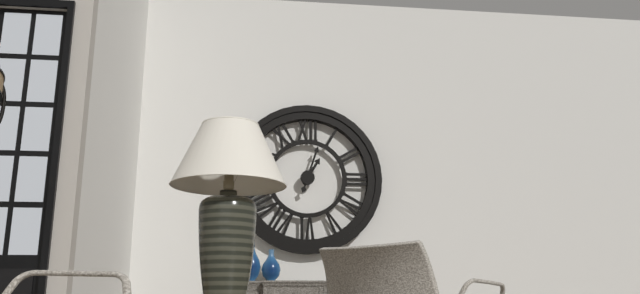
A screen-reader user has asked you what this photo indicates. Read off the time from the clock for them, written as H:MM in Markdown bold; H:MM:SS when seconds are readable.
**1:03**
